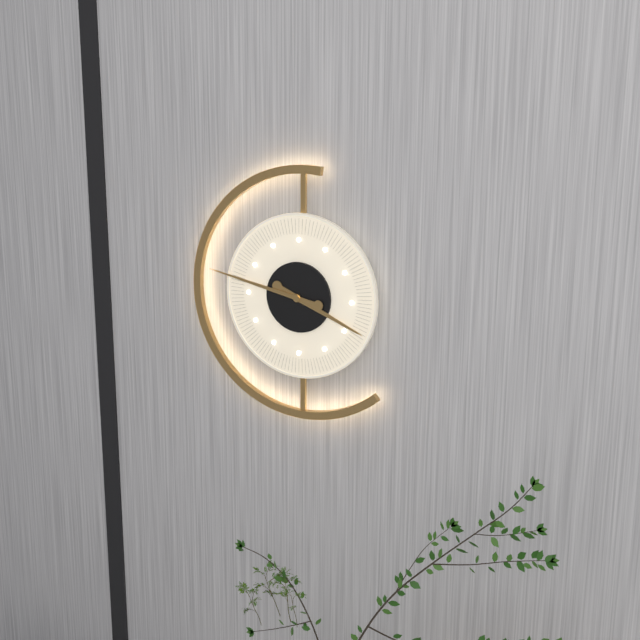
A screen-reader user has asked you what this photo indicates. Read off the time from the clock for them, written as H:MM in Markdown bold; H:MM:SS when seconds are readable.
**3:47**
